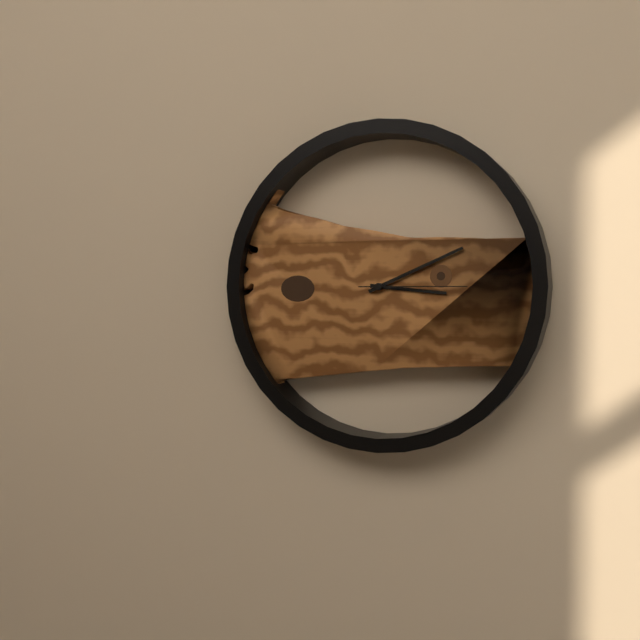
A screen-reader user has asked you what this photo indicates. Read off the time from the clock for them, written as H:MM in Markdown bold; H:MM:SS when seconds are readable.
**3:11:15**
